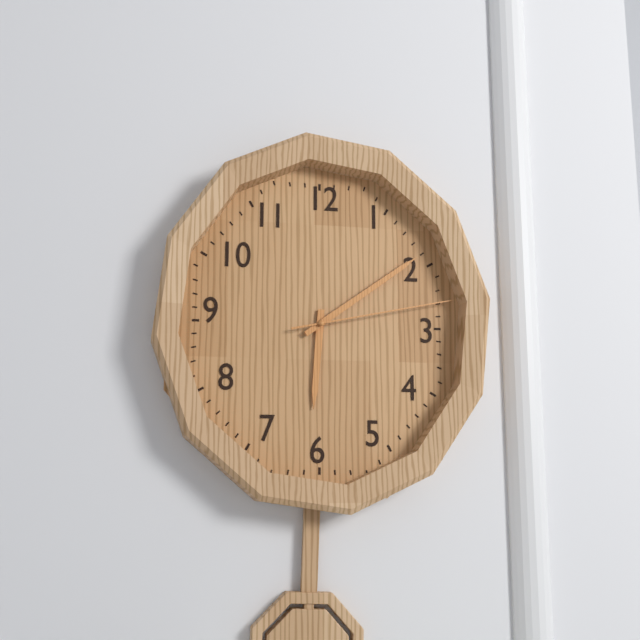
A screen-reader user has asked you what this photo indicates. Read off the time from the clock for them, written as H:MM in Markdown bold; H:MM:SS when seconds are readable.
**6:09:13**
